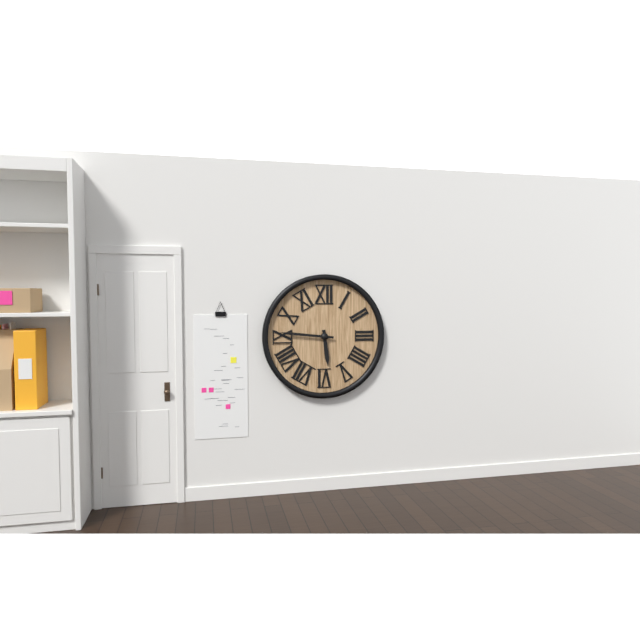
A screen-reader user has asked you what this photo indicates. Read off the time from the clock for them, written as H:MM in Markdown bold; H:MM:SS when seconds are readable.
**5:46**
